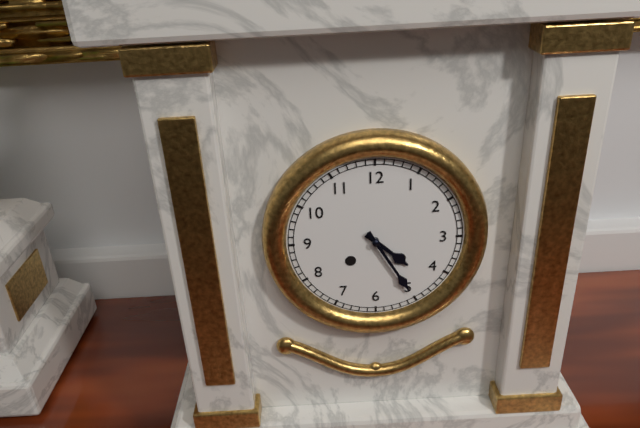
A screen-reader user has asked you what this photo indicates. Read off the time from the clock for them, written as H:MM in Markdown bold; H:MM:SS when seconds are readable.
**4:25**
